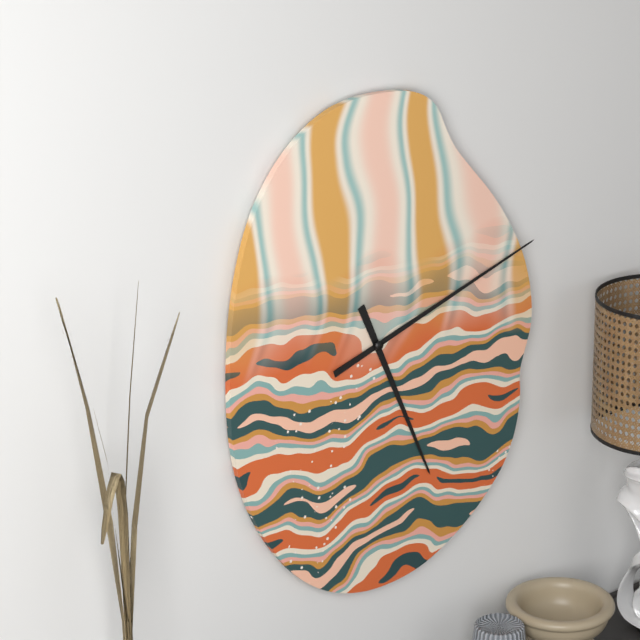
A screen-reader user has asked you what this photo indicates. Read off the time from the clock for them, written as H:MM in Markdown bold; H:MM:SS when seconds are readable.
**5:12**
